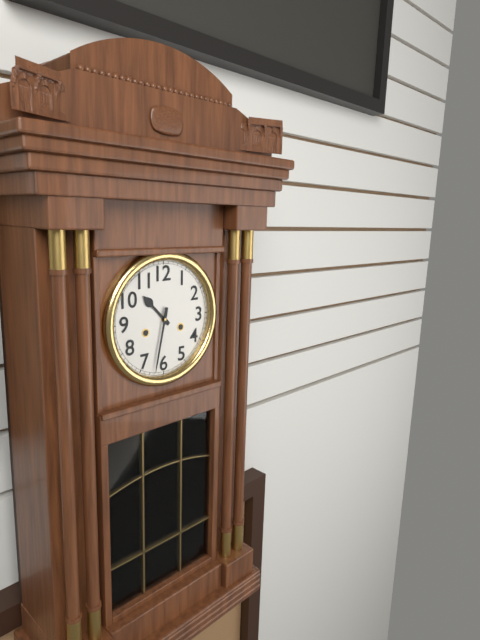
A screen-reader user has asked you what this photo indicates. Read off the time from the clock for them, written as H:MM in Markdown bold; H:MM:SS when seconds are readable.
**10:32**
